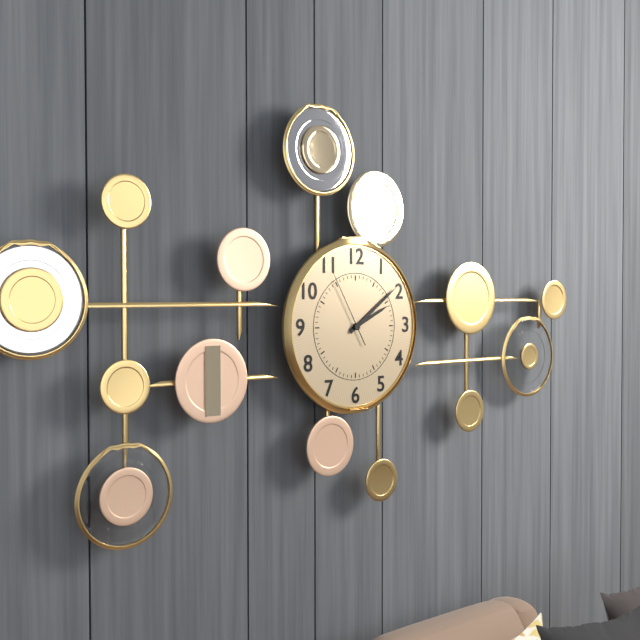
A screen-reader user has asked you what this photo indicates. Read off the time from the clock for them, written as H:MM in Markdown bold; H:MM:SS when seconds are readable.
**2:09:55**
